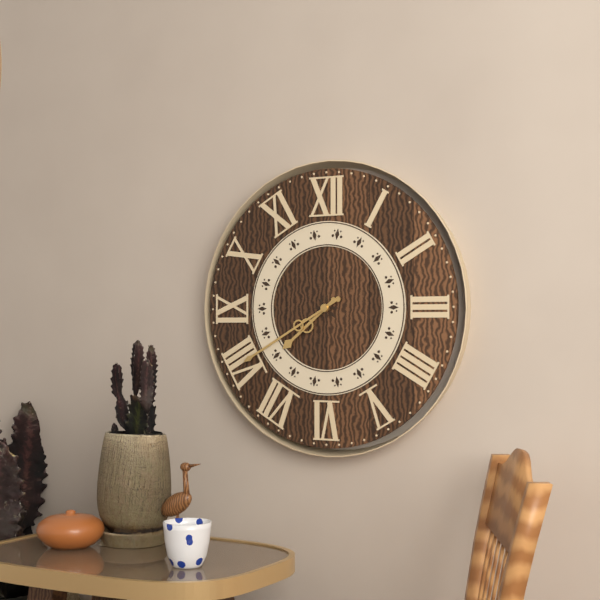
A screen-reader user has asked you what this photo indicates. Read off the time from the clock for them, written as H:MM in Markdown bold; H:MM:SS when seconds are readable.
**7:40**
